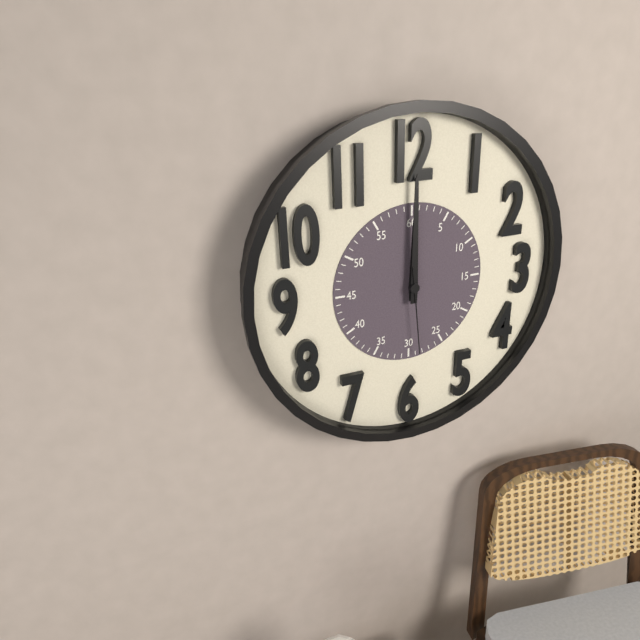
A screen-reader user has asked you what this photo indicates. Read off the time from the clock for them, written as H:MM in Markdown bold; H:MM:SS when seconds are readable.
**12:00:29**
